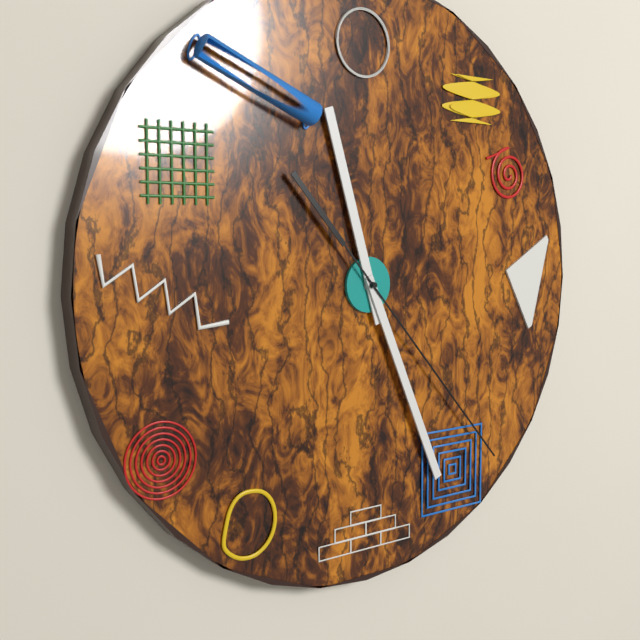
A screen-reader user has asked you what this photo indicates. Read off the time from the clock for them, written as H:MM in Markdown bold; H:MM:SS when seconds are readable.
**11:26:23**
